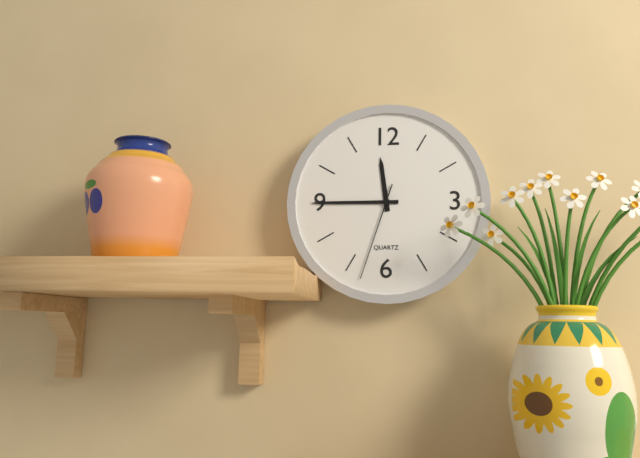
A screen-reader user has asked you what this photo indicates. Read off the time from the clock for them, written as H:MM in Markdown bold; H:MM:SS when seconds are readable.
**11:45:33**
